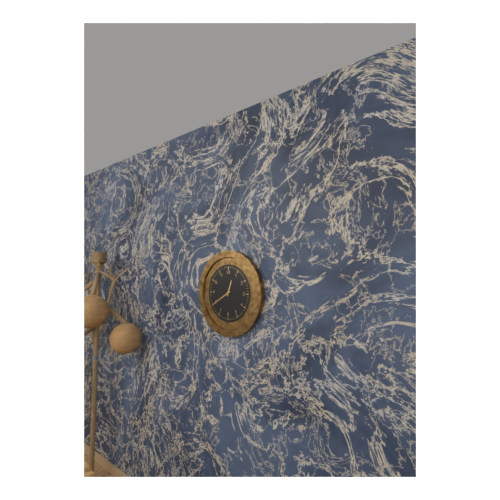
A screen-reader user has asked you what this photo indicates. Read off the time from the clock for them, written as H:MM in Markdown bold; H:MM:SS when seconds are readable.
**12:40**
